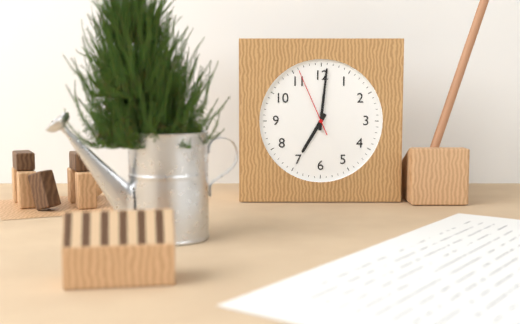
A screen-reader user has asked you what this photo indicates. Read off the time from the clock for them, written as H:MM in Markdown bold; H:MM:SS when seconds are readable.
**7:01:56**
